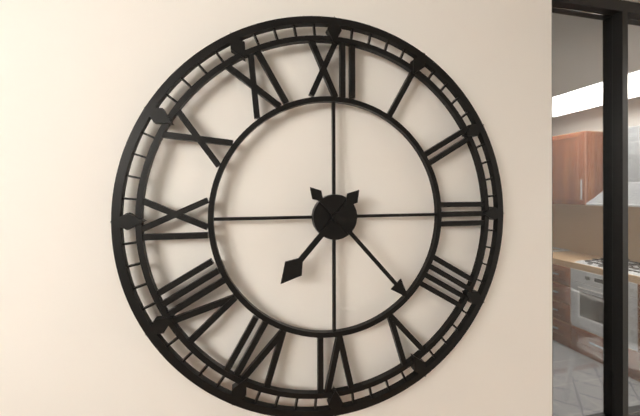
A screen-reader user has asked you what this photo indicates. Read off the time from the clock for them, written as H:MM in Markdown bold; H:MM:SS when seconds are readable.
**7:23**
